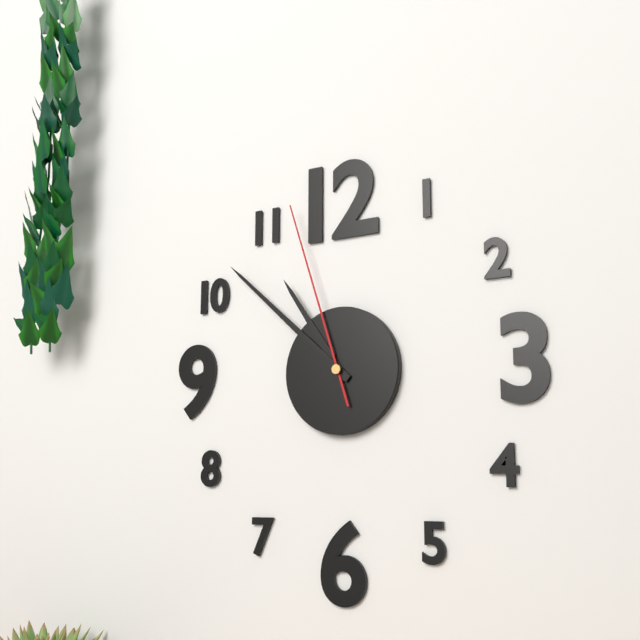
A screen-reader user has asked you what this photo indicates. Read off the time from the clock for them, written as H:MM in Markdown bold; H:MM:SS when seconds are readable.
**10:52:57**
